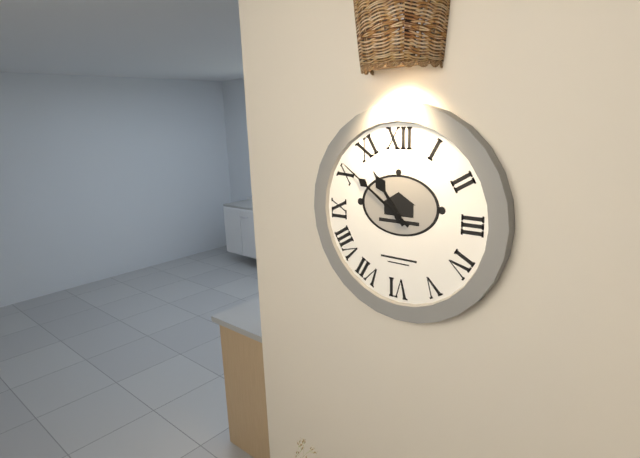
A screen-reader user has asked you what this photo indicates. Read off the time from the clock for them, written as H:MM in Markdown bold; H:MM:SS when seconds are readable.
**10:51**
